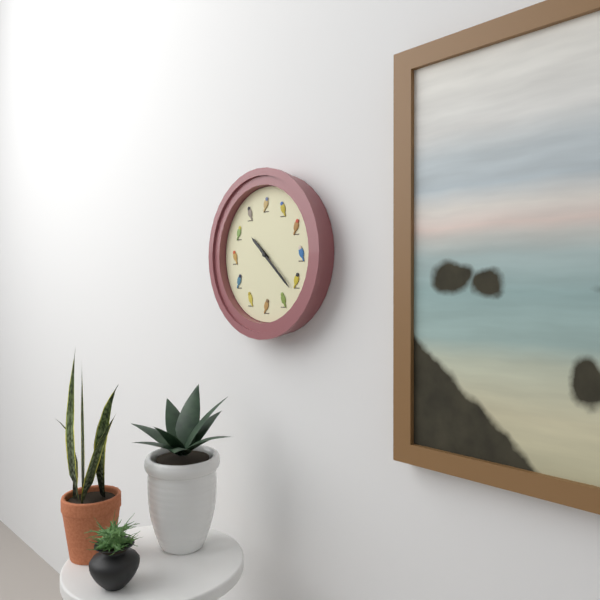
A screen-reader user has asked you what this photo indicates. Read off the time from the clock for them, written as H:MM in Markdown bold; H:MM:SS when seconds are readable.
**10:22**
